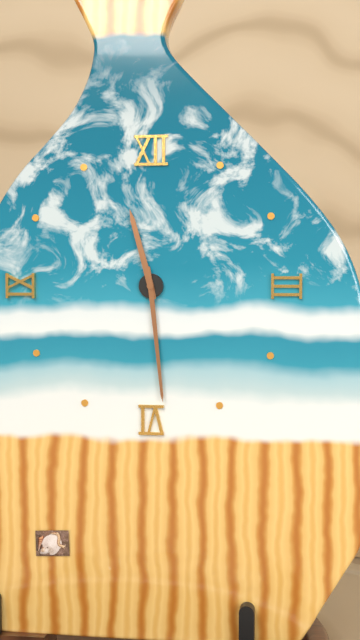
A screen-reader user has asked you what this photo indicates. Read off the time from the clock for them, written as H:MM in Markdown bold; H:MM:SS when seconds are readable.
**11:29**
